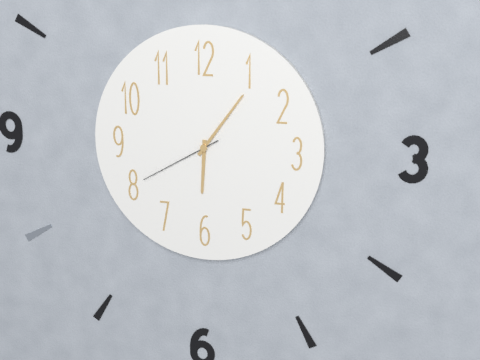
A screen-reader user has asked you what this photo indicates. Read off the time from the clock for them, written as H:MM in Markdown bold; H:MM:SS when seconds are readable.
**6:06:40**
